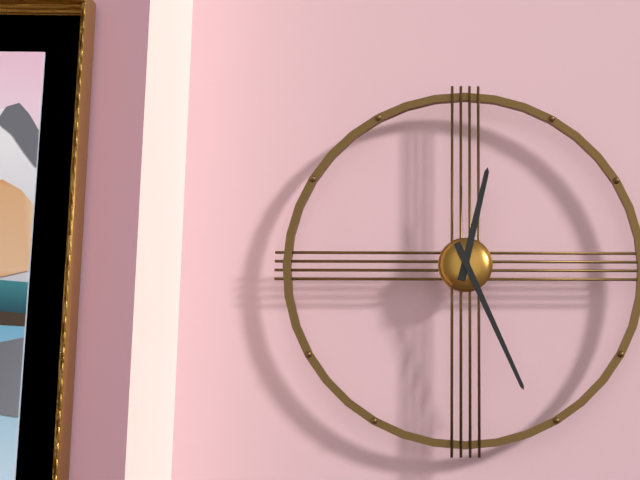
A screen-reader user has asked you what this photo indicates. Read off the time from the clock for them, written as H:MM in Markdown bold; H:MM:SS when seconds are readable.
**12:26**
